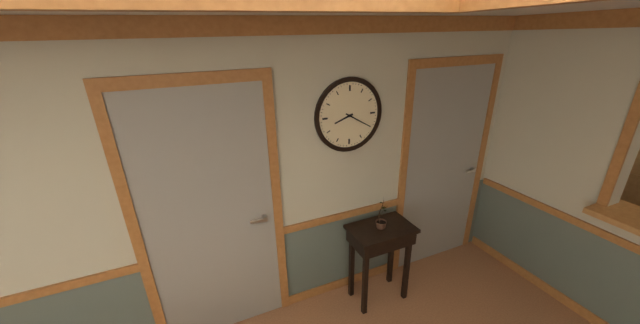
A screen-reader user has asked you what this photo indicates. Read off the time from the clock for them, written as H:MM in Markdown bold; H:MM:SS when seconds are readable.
**8:20**
